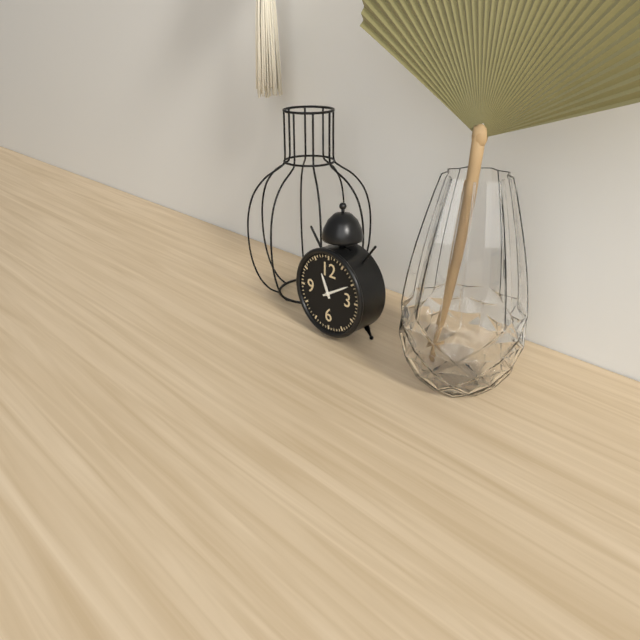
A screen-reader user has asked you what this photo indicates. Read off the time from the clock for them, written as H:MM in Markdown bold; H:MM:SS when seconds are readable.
**11:10**
